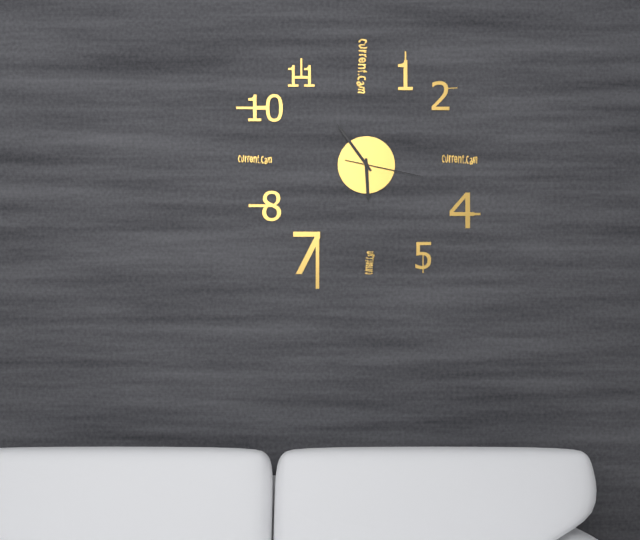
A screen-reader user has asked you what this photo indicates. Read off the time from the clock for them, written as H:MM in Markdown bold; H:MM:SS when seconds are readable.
**5:54:17**
